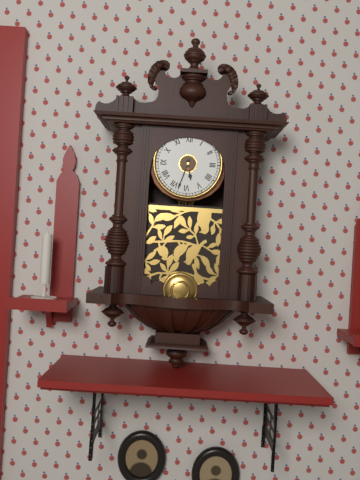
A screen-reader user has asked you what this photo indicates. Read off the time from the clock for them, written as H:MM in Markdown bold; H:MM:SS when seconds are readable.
**5:33**
